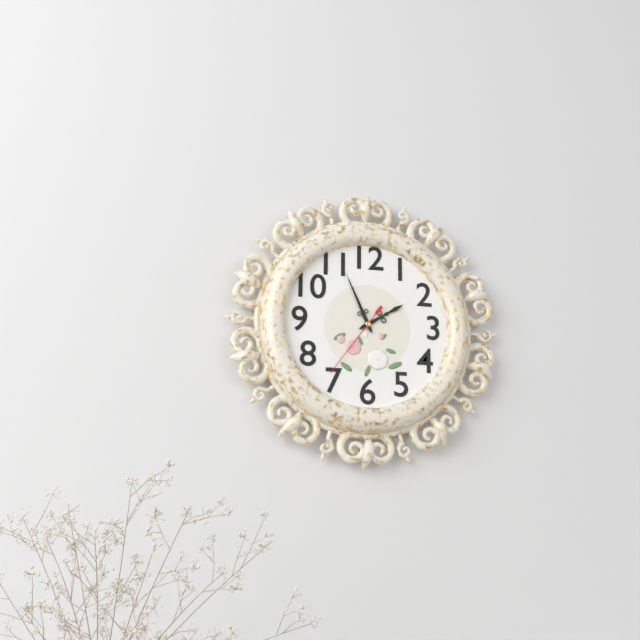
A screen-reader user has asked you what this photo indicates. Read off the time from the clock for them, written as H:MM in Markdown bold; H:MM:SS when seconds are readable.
**1:56:36**
